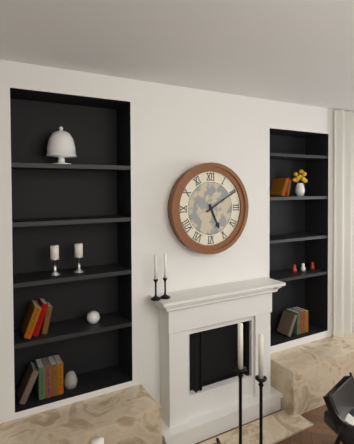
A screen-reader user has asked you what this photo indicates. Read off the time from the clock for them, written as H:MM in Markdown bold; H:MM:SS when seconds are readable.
**5:10**
